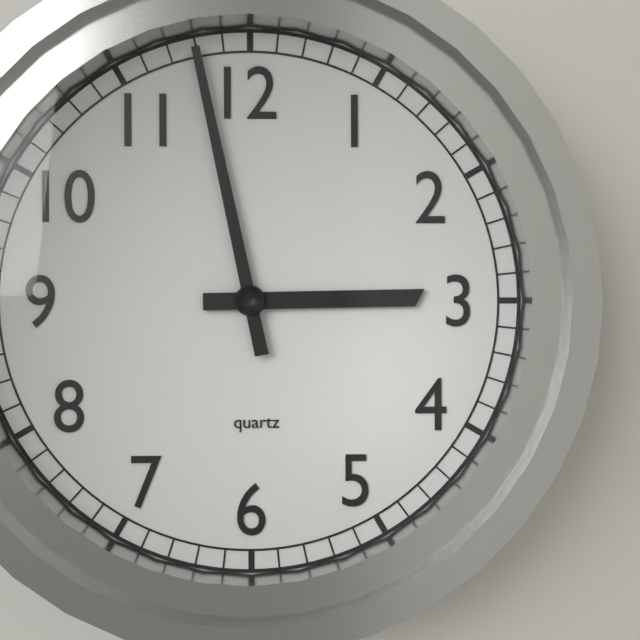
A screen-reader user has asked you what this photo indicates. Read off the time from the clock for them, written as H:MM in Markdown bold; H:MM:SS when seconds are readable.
**2:58**
